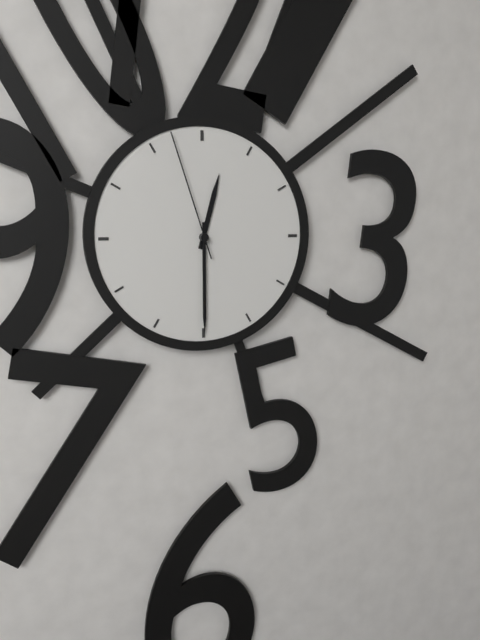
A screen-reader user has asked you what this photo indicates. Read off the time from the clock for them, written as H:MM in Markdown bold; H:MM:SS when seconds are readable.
**12:30:57**
